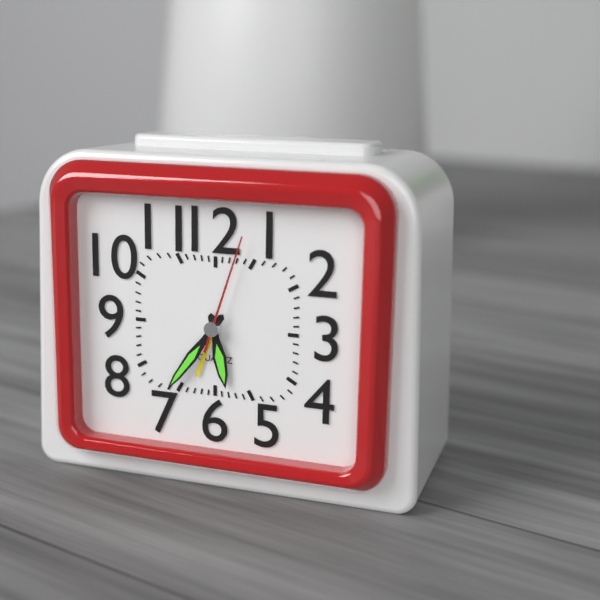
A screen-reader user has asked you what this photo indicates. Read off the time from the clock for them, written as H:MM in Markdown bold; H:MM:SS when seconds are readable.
**5:36:03**
